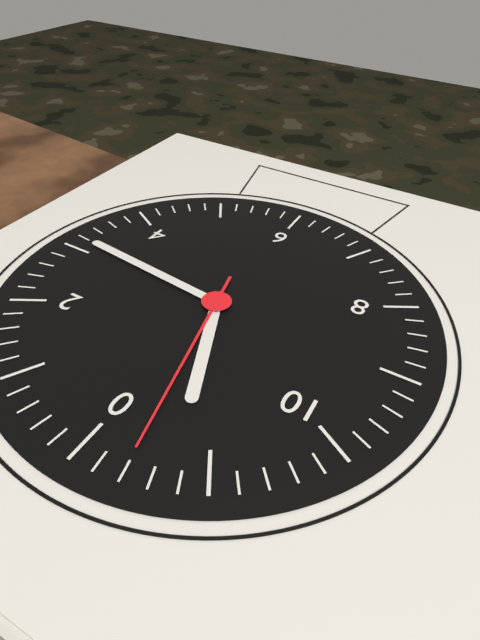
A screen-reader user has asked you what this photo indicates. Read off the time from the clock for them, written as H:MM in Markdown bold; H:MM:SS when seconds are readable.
**11:16:58**
